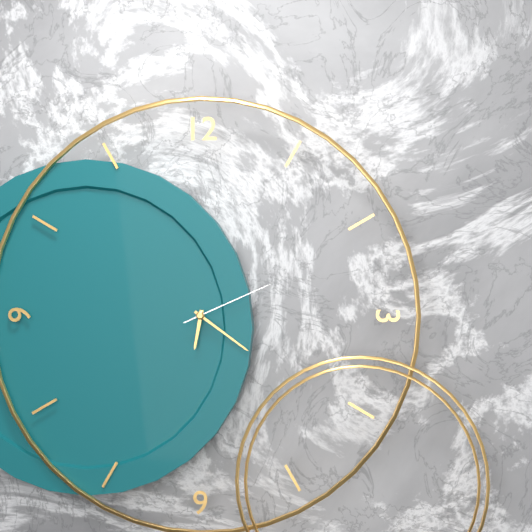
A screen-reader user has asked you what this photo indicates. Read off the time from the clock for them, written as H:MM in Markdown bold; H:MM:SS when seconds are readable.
**6:21:11**
